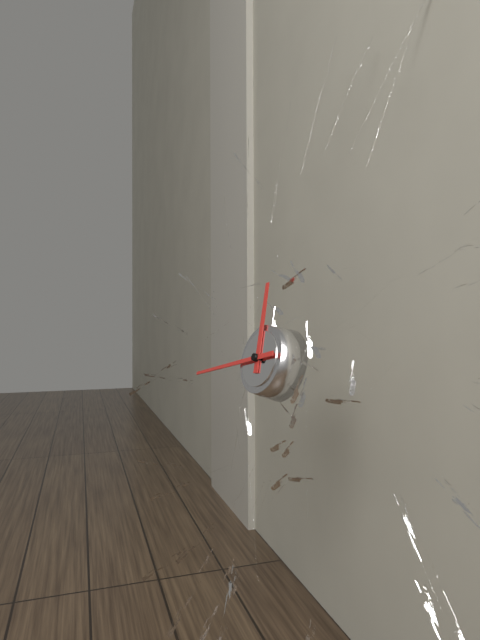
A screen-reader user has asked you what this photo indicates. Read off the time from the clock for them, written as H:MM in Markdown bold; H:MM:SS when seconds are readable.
**11:43**
